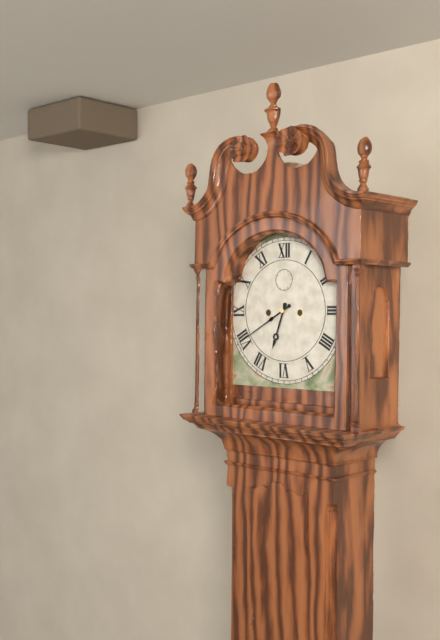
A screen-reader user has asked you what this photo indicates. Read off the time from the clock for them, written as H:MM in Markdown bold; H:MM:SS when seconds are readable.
**6:40**
